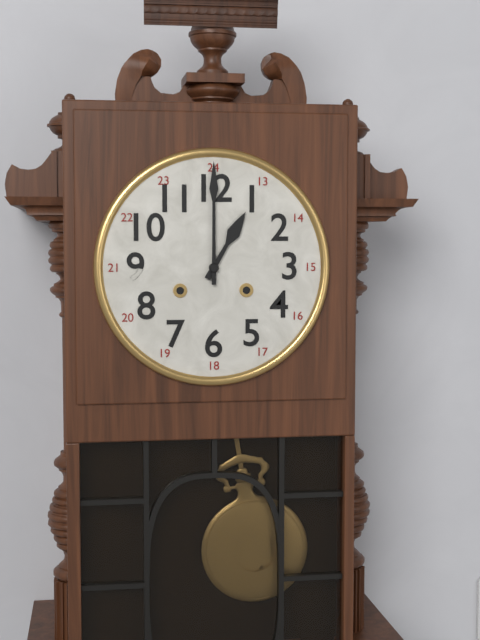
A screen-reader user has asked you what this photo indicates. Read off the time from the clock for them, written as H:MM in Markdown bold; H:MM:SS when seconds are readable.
**1:00**
